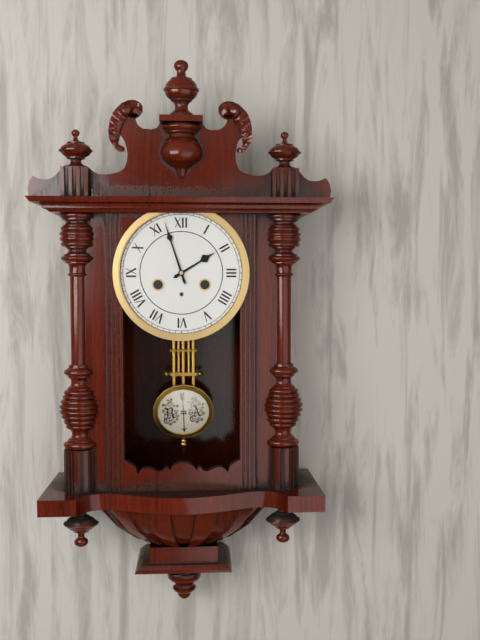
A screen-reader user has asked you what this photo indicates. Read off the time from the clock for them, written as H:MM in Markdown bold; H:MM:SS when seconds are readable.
**1:57**
